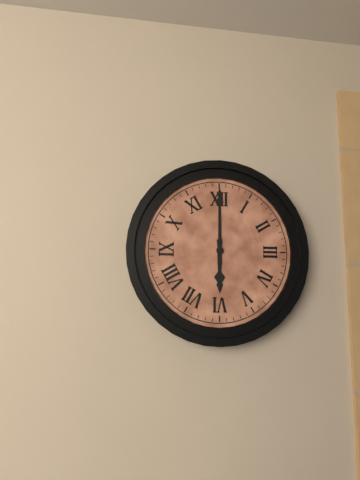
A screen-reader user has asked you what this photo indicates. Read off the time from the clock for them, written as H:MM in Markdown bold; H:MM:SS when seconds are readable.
**6:00**
